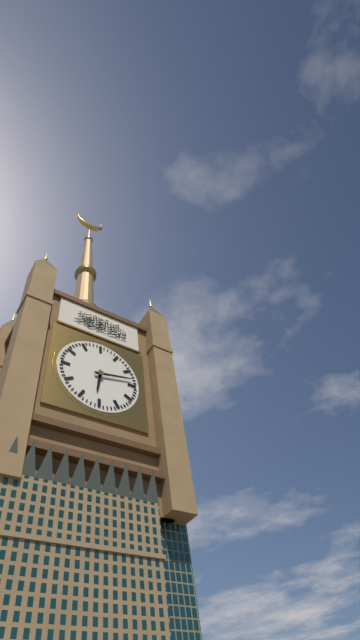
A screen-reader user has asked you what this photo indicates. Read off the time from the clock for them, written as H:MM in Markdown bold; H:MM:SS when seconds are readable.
**6:13**
